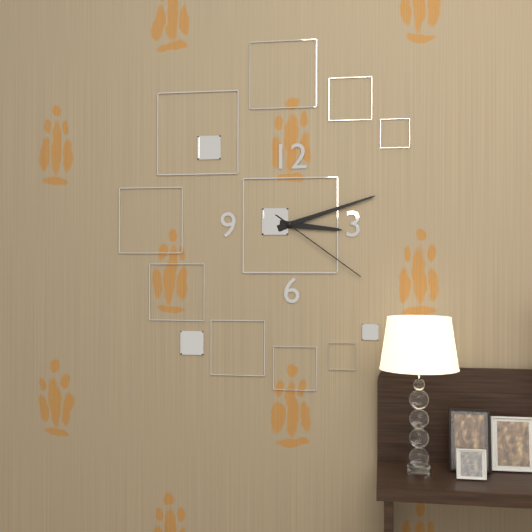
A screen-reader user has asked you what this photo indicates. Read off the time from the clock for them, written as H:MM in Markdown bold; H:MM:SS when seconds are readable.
**3:12:21**
